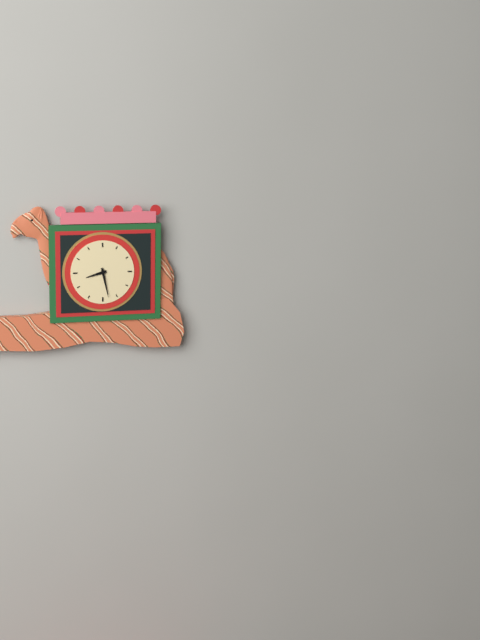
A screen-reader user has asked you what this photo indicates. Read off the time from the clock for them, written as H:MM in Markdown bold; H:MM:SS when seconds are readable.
**8:28**
